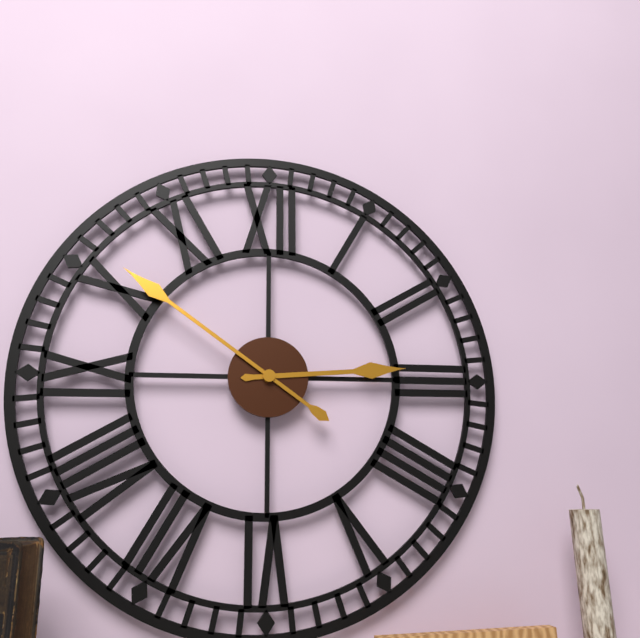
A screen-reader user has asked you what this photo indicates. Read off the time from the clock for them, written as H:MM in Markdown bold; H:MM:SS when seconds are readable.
**2:51**
